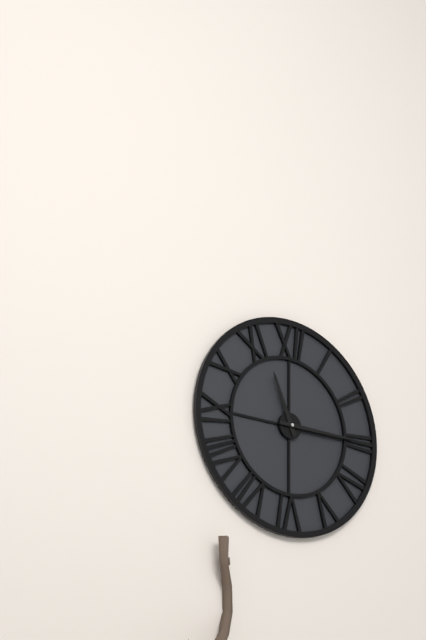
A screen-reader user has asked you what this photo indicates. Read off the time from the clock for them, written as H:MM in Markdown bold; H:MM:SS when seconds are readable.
**11:15**
